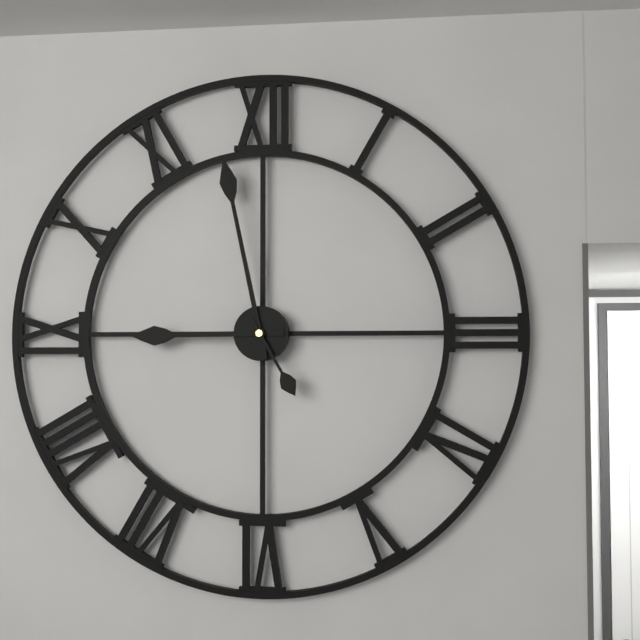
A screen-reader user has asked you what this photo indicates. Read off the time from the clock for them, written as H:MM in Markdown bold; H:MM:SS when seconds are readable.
**8:58:25**
